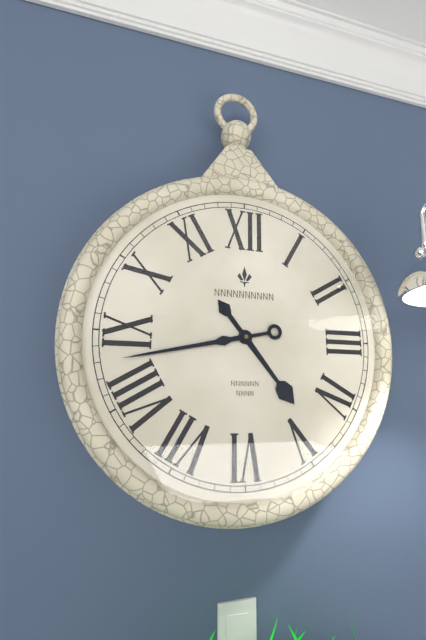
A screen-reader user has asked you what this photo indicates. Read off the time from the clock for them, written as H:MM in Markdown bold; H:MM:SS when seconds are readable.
**4:43**
